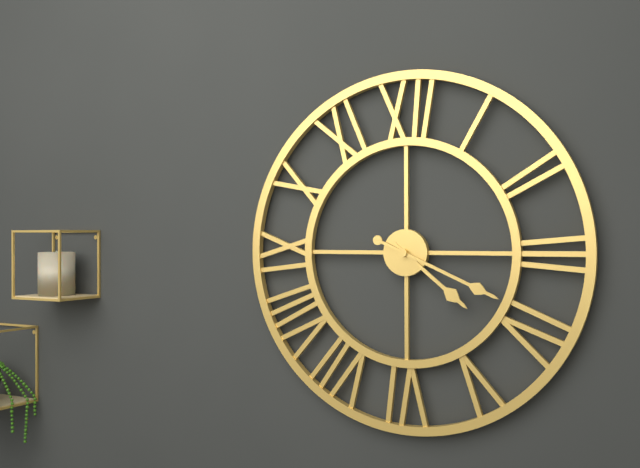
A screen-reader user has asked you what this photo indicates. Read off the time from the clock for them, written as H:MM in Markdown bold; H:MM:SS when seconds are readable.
**4:19**
